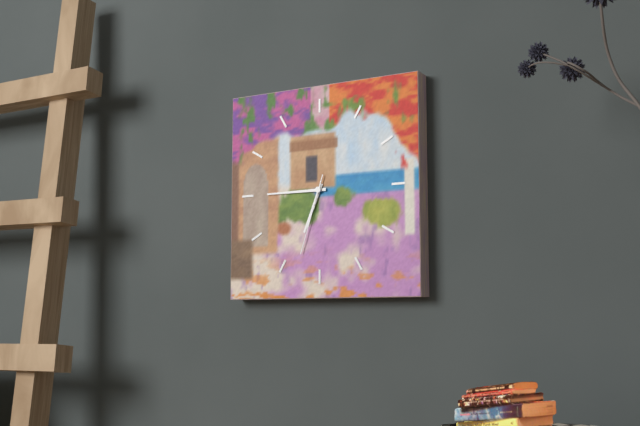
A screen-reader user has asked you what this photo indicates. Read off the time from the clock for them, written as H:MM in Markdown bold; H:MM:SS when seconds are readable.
**6:45:33**
